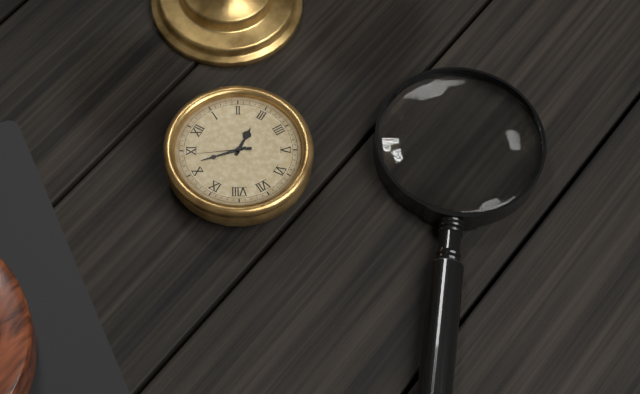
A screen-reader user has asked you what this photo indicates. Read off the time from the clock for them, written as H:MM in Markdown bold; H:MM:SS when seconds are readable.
**2:52:54**
